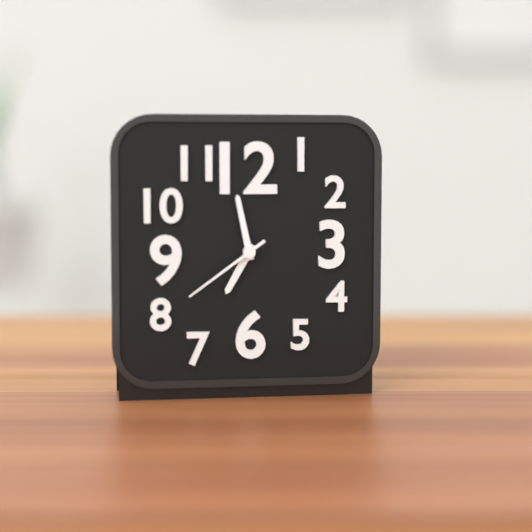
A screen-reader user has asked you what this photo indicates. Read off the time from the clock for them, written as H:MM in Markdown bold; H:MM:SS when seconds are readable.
**6:58:39**
